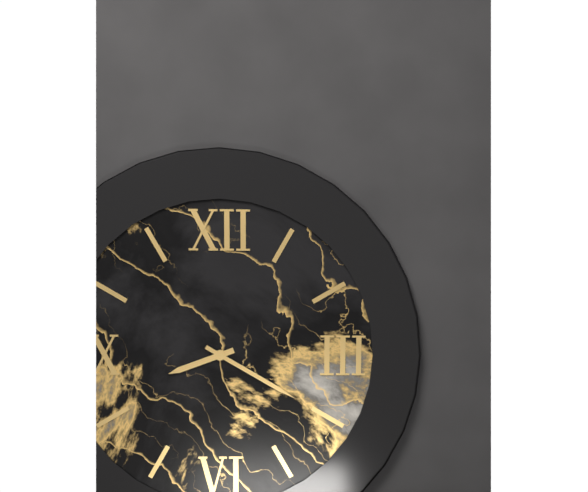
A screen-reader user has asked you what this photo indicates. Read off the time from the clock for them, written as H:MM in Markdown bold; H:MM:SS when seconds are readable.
**8:20**
